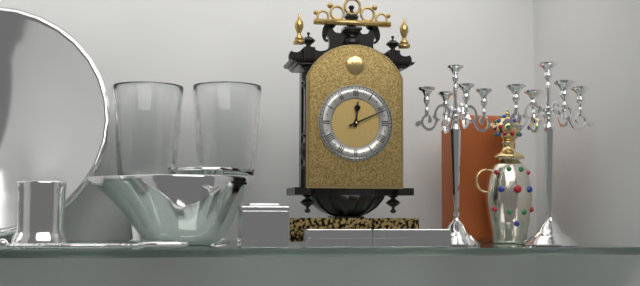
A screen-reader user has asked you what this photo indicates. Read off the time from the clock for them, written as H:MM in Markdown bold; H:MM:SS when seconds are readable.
**12:11**
